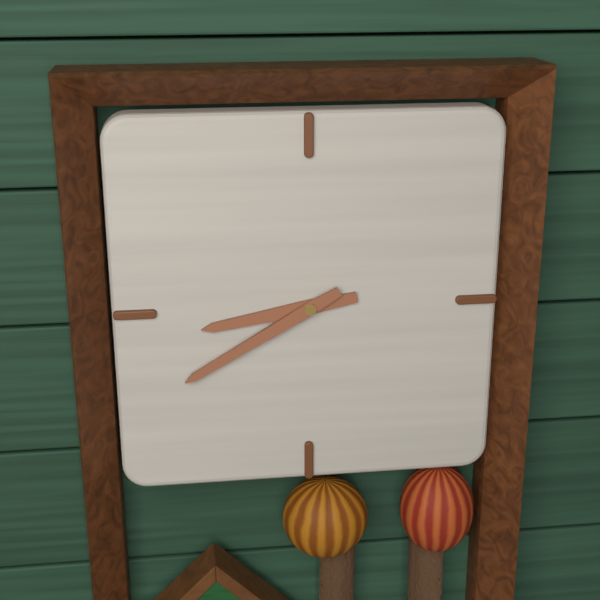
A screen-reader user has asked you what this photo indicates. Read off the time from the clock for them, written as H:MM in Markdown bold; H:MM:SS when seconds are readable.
**8:40**
